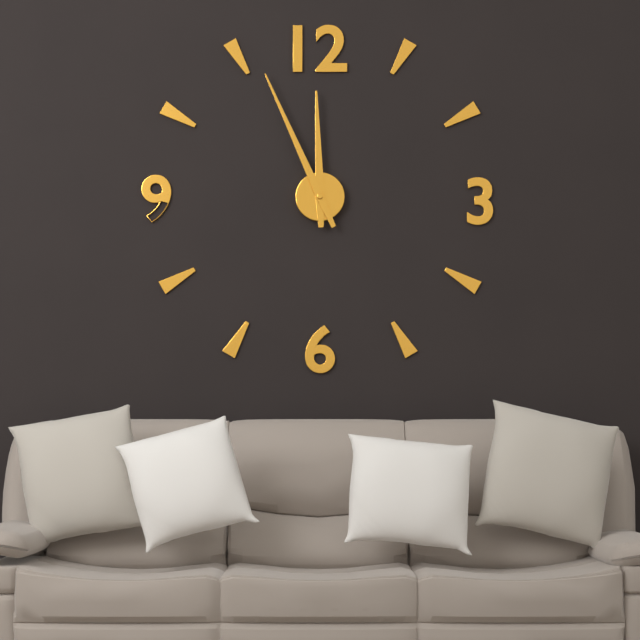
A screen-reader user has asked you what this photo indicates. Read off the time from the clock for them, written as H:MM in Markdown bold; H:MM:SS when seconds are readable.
**11:56**
